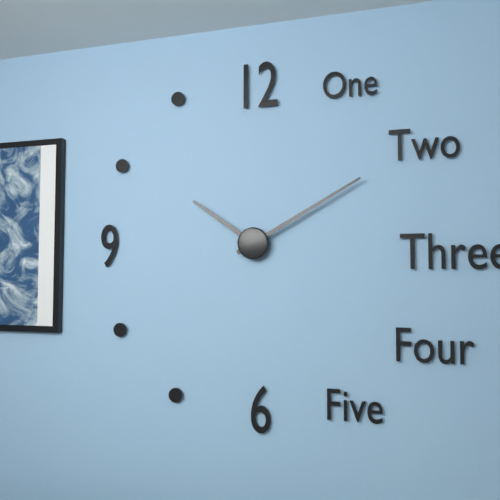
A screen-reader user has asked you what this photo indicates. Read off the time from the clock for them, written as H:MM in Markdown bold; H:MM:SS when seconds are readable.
**10:10**
